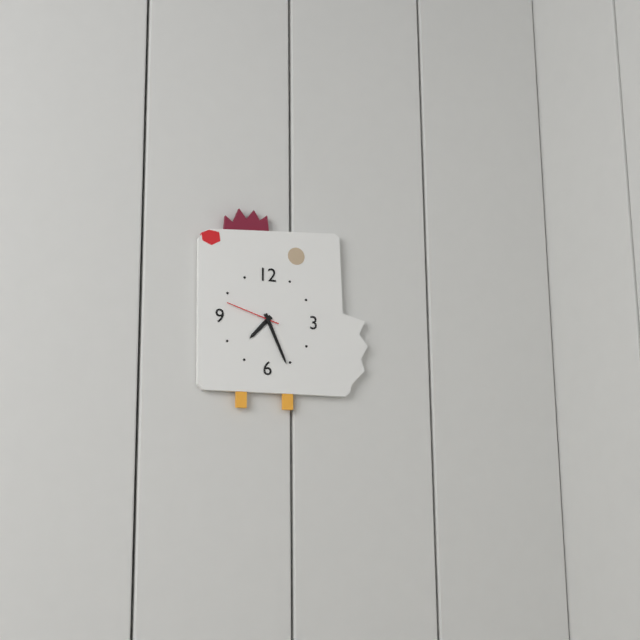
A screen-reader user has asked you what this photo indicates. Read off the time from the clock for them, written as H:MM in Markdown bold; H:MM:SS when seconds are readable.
**7:26:48**
